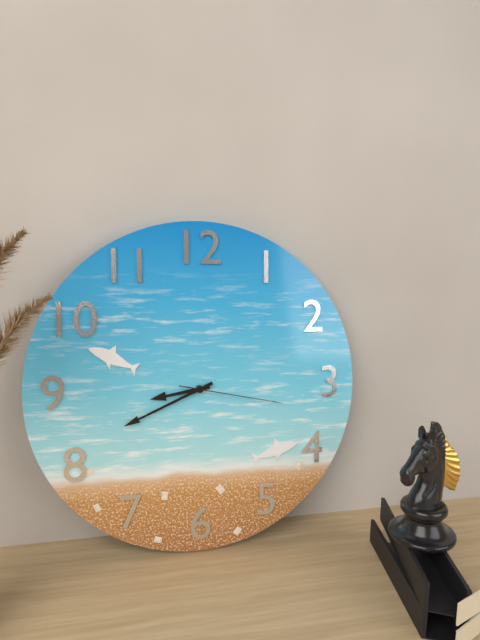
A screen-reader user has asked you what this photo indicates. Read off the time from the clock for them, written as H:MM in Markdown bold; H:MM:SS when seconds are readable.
**8:41:17**
